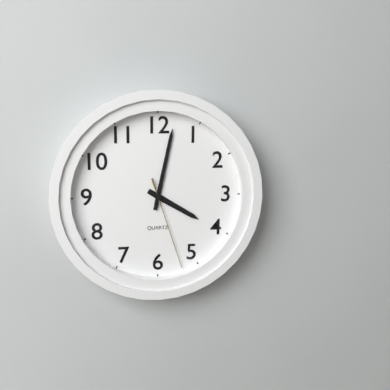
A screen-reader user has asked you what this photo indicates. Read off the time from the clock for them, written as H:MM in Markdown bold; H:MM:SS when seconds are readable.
**4:02:27**
